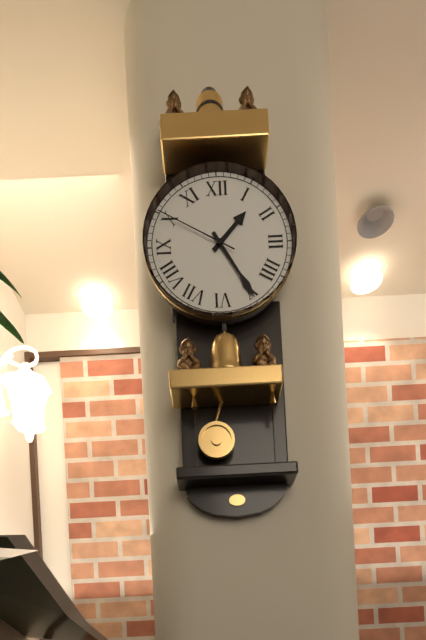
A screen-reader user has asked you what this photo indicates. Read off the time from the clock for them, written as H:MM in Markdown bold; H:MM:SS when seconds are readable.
**1:25:50**
